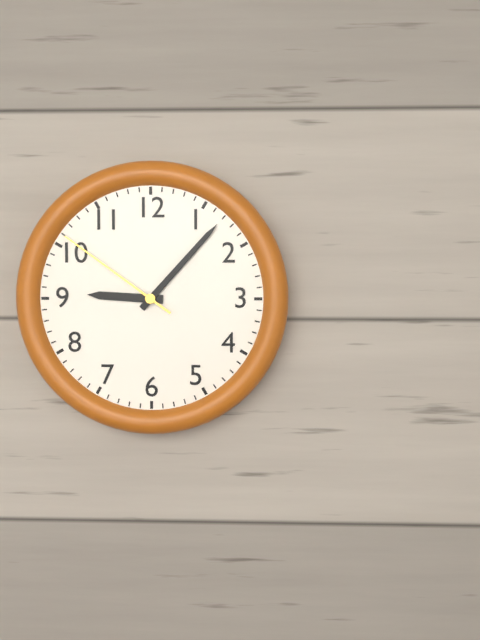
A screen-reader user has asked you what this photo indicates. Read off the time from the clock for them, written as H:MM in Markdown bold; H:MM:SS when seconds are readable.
**9:07:51**
